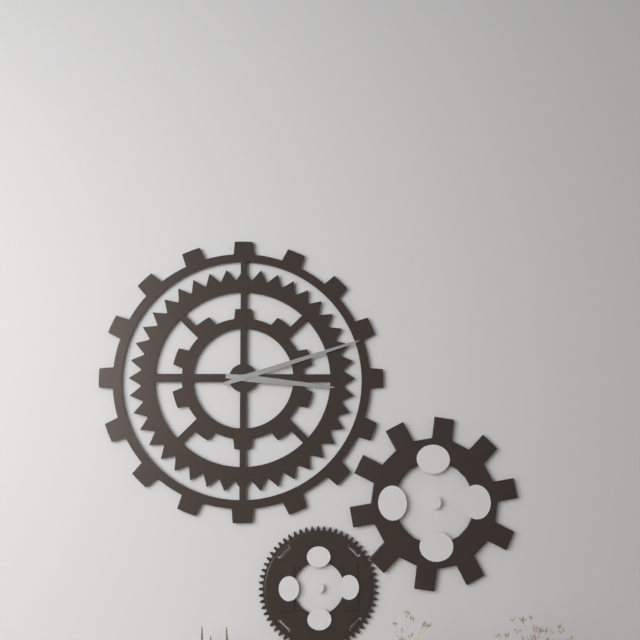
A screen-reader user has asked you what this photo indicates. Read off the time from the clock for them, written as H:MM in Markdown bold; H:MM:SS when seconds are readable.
**3:12**
